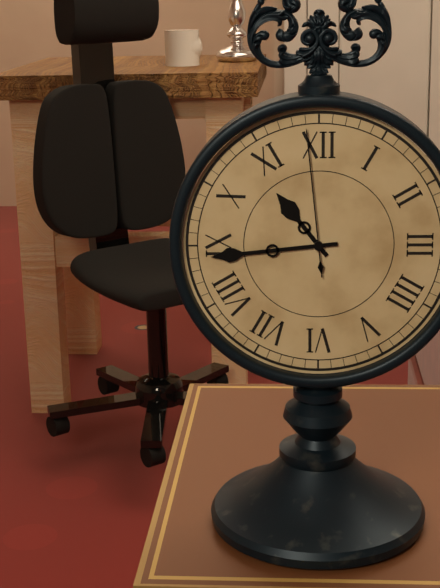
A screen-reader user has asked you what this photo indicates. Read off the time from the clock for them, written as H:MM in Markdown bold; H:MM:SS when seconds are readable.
**10:44:59**
